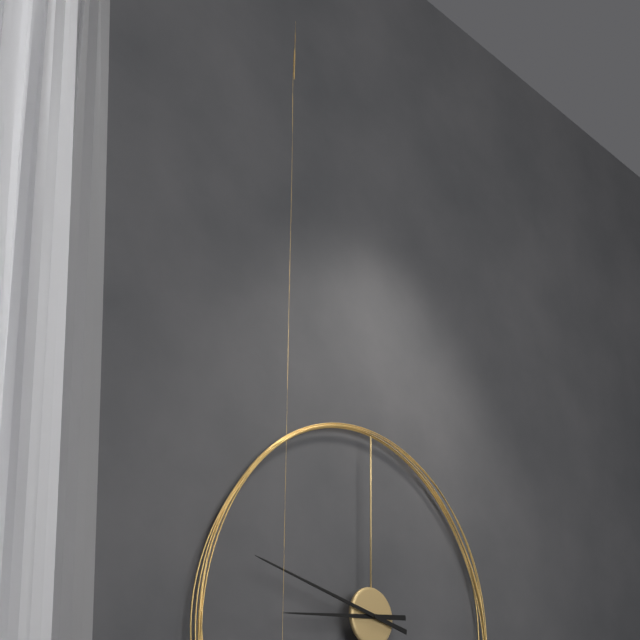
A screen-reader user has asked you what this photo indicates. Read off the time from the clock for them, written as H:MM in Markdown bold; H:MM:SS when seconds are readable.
**8:47**
